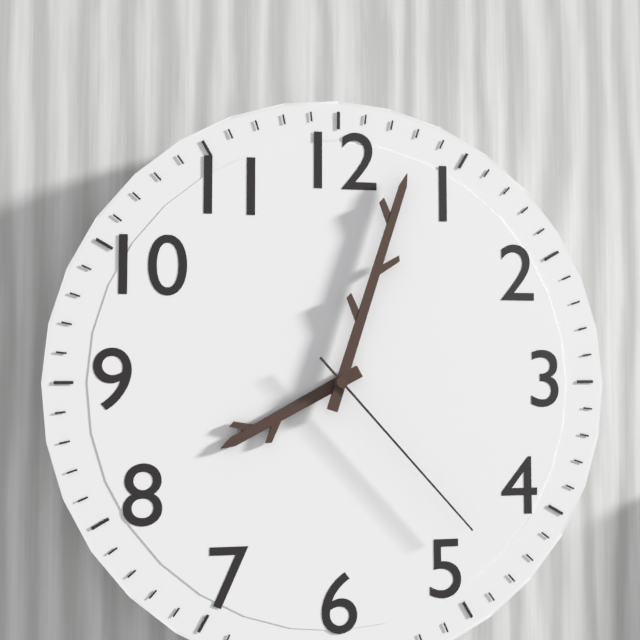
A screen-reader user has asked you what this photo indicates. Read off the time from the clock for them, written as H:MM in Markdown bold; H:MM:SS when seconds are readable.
**8:03:23**
